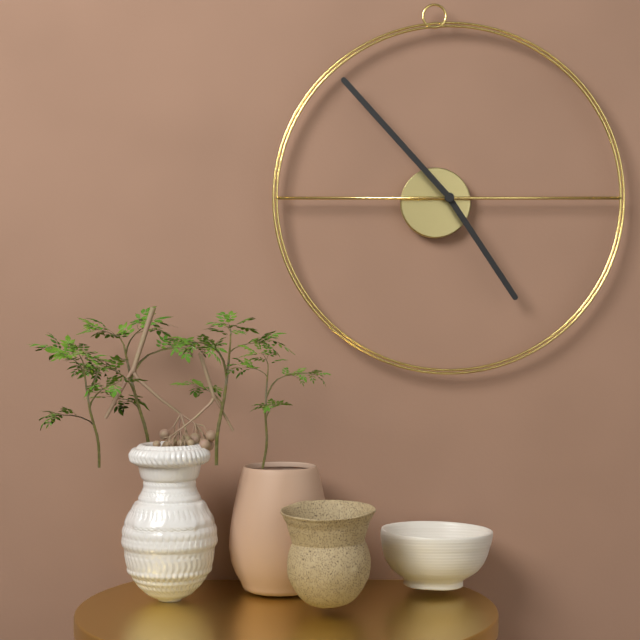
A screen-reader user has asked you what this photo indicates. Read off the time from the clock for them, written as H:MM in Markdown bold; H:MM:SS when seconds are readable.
**4:53**
